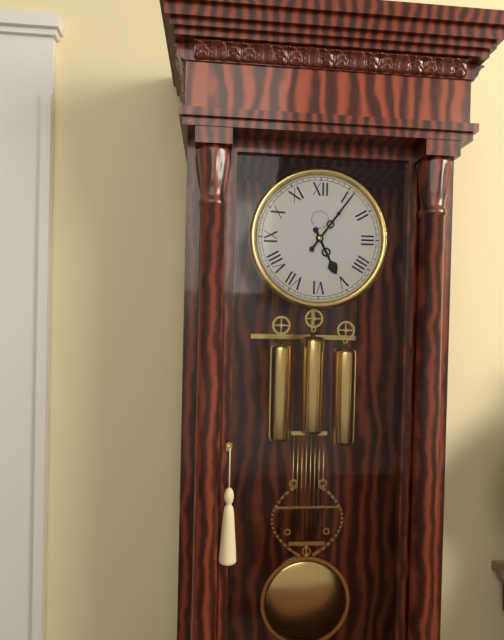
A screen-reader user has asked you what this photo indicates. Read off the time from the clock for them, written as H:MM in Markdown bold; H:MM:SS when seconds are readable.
**5:06**
